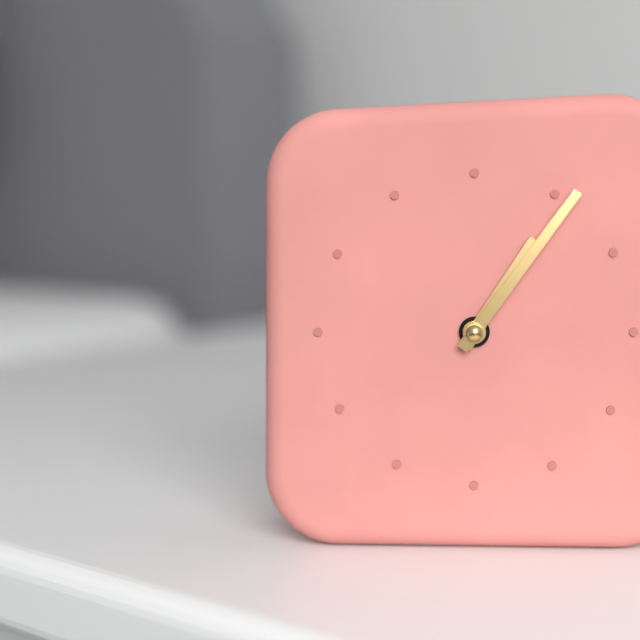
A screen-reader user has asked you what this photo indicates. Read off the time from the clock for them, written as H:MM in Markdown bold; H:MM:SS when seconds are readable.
**1:06**
